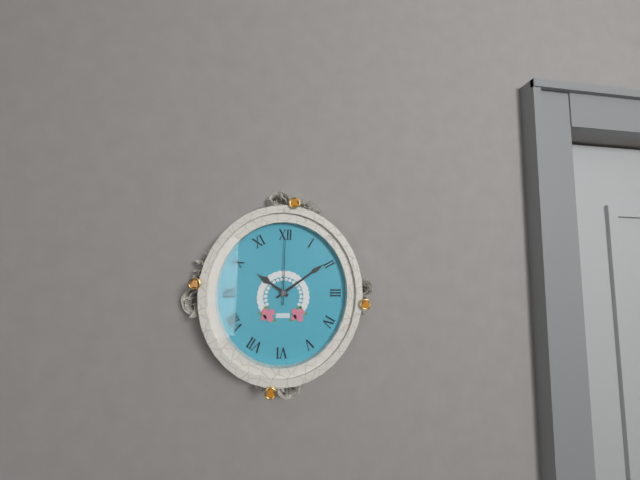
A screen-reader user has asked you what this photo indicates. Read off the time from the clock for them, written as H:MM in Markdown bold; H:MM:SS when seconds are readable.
**10:09:00**
